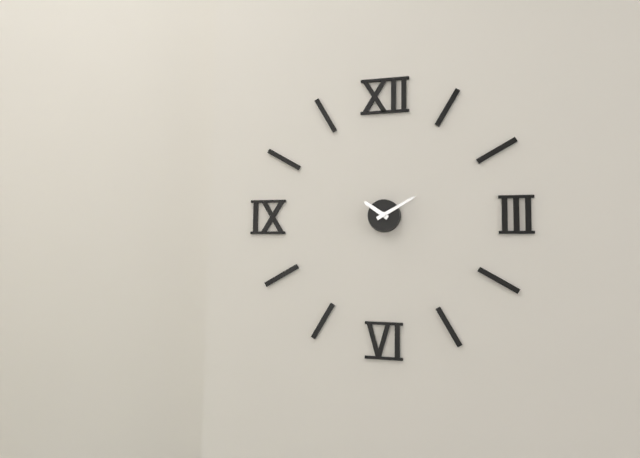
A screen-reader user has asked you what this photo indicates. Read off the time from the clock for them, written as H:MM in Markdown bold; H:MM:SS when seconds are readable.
**10:10**
